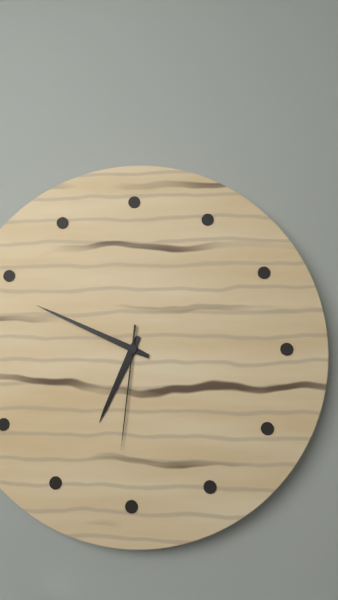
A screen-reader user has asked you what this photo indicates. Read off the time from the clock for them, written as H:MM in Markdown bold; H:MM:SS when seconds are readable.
**6:49:31**
